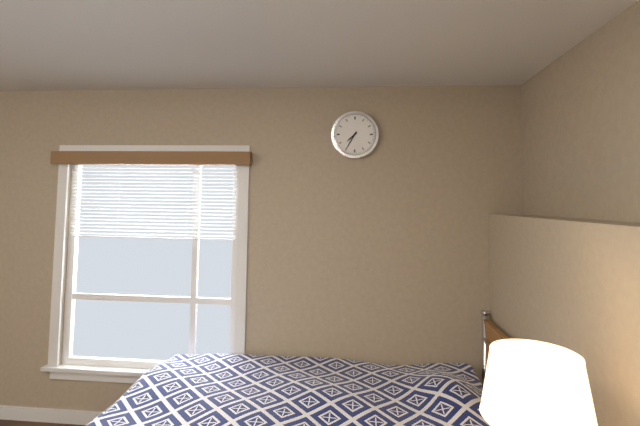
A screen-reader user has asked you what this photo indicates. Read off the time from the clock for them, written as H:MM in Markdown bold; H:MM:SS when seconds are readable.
**7:35**
